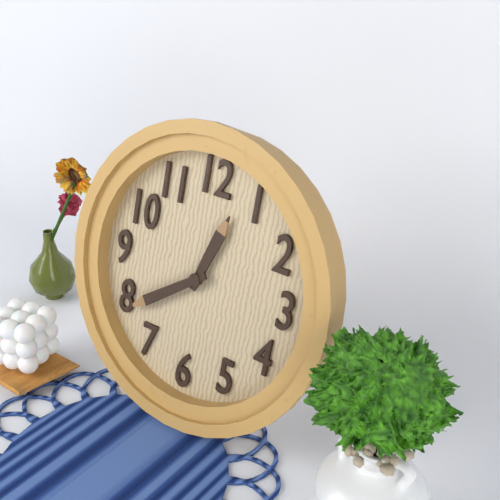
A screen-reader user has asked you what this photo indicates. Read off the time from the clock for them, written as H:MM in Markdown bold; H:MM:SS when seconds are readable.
**12:39**
